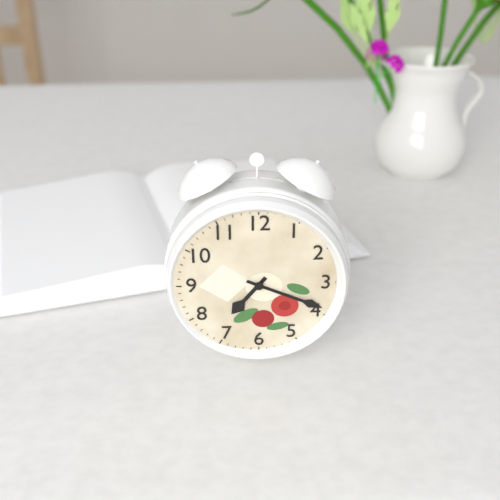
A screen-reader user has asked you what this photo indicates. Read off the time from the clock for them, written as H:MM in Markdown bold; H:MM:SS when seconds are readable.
**7:19**
